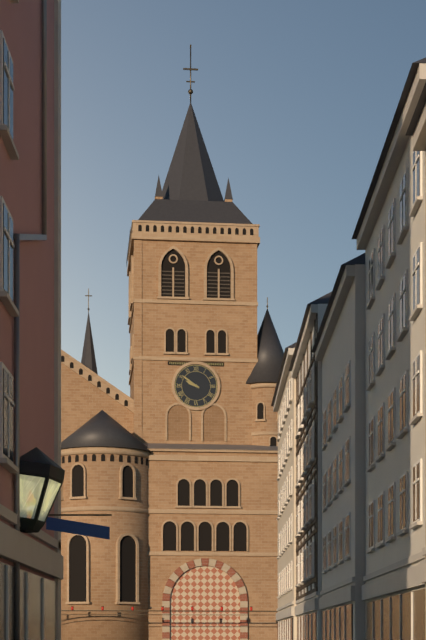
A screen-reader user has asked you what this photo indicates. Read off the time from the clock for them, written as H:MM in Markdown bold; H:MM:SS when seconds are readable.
**9:51**
